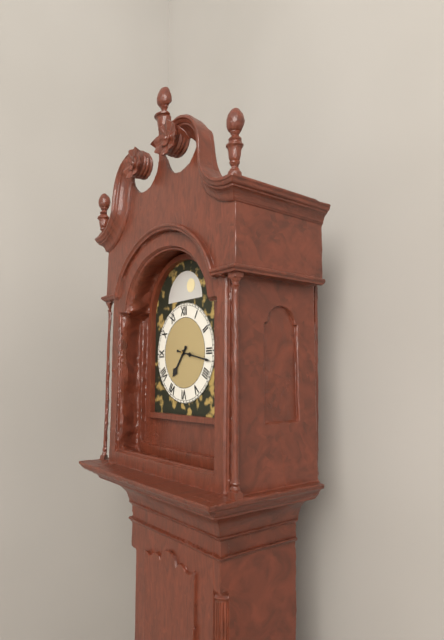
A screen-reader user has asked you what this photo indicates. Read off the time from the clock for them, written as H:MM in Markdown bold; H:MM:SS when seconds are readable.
**7:17**
